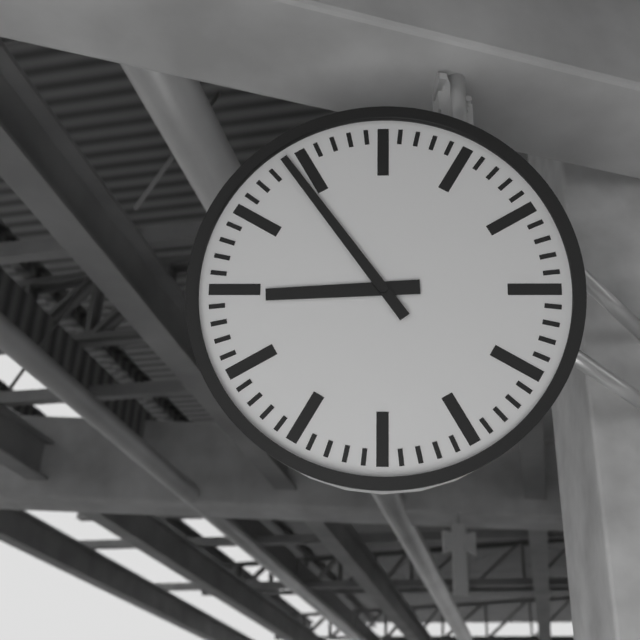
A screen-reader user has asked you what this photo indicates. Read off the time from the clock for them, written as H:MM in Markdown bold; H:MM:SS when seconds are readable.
**8:54**
